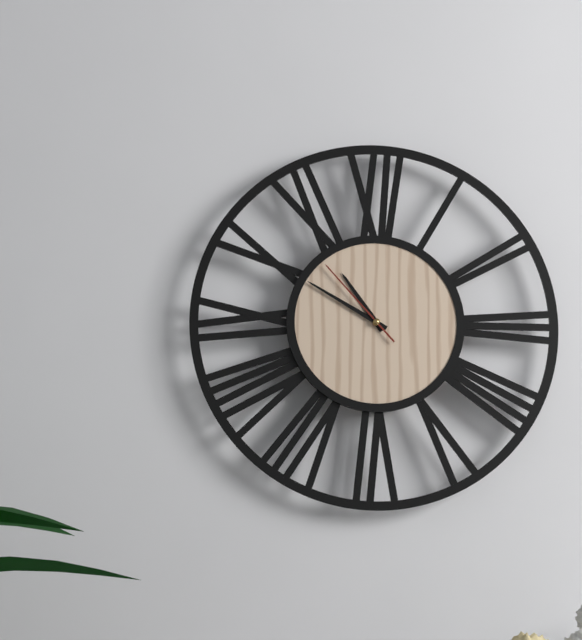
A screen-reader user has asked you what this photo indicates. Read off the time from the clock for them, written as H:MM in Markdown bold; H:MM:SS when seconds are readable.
**10:50:53**
